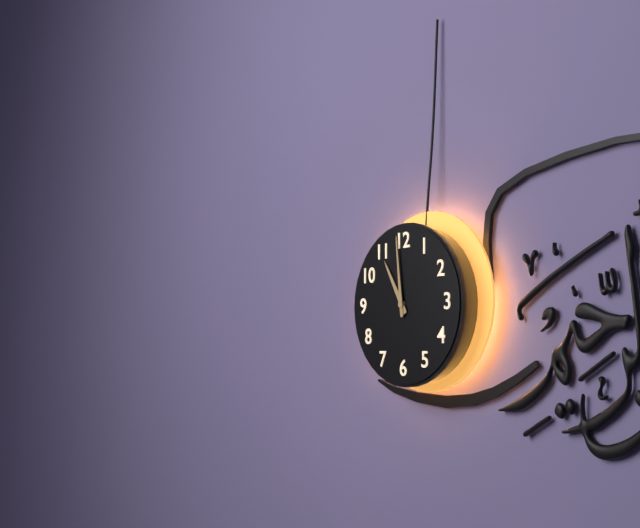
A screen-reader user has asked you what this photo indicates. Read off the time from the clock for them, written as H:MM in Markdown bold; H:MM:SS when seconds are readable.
**10:59**
